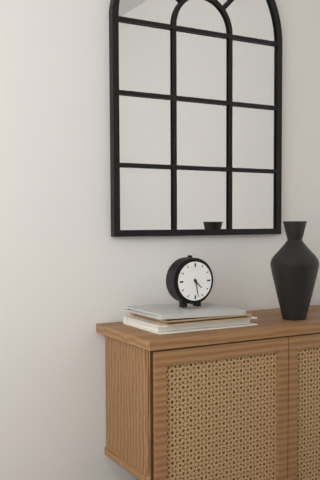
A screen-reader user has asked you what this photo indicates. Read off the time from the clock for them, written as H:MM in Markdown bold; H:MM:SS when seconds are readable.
**4:28**
